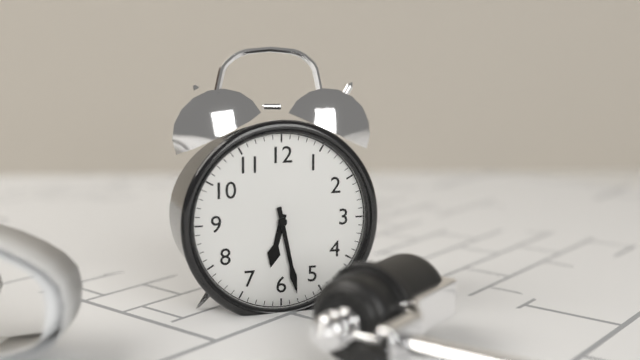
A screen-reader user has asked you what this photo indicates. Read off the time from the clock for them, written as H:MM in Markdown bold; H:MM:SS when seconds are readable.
**6:28**
